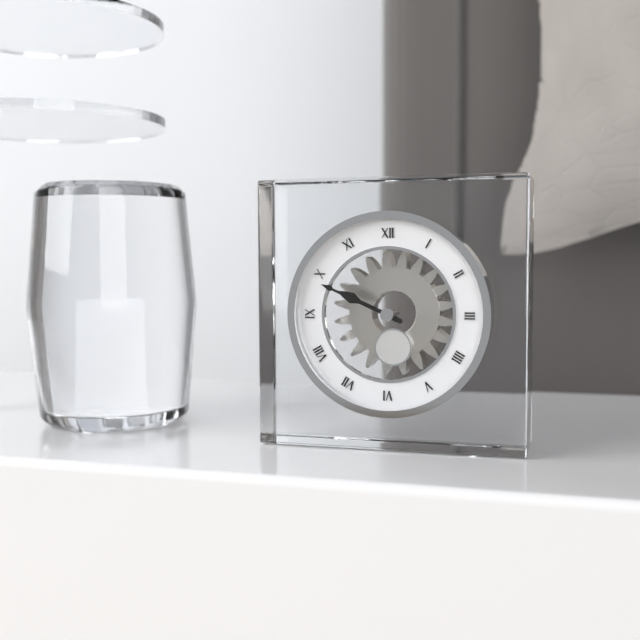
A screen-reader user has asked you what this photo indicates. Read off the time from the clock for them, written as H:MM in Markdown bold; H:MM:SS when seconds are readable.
**9:49**
